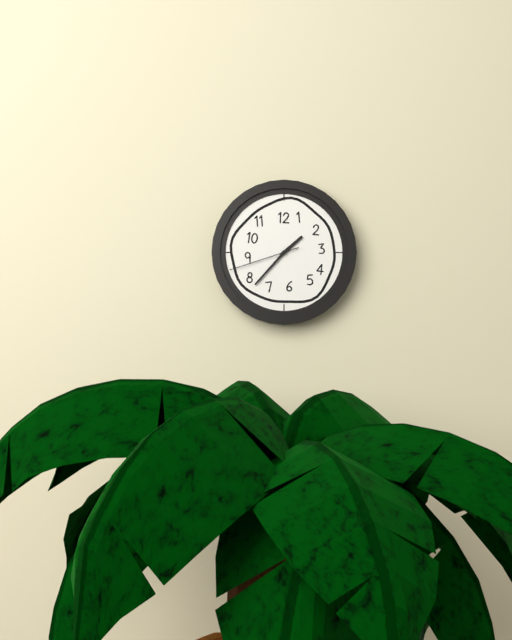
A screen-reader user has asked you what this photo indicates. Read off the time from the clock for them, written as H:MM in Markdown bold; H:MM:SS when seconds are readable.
**1:37:42**
